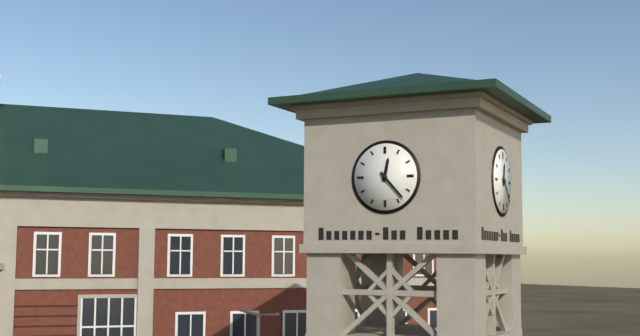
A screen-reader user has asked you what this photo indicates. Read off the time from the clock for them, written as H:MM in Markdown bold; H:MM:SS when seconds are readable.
**12:23**
